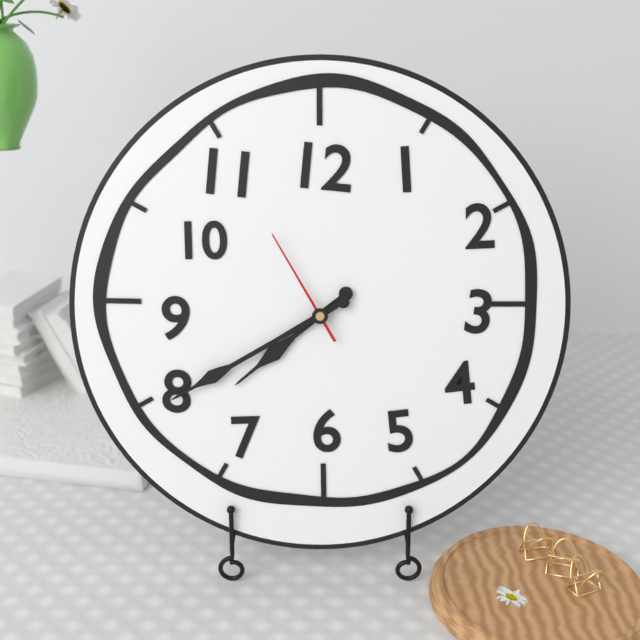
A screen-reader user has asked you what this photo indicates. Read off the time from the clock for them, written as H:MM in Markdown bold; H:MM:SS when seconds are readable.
**7:40:55**
